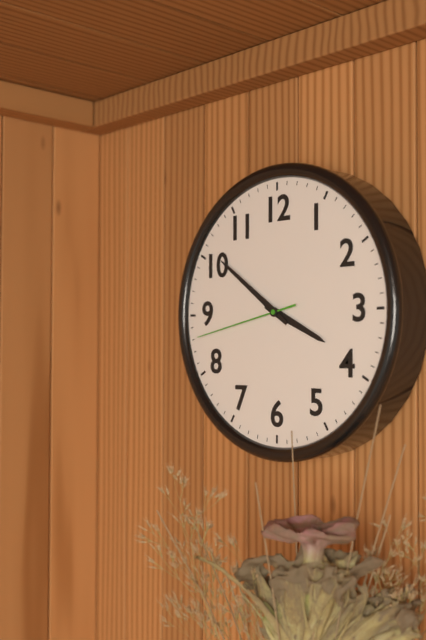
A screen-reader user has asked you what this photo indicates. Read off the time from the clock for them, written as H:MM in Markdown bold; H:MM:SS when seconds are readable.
**3:51:43**
